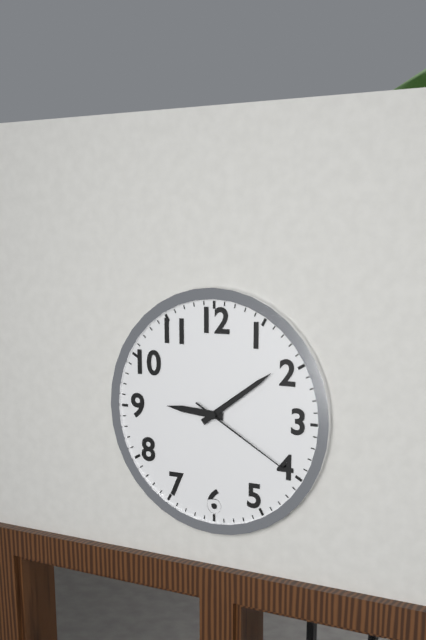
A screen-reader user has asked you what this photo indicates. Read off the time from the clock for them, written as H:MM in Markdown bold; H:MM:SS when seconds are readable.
**9:09:20**
